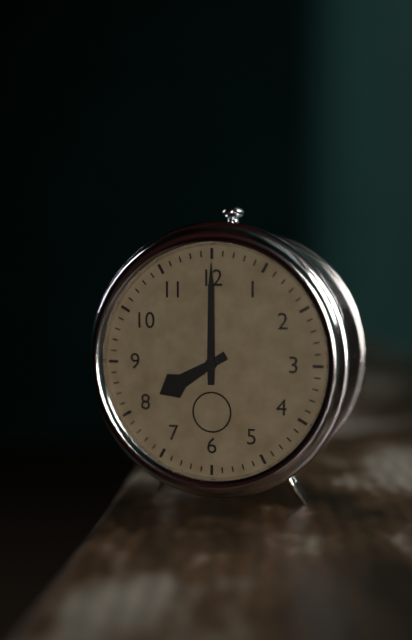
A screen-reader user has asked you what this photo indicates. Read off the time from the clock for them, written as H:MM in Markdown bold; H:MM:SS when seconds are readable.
**8:00**
